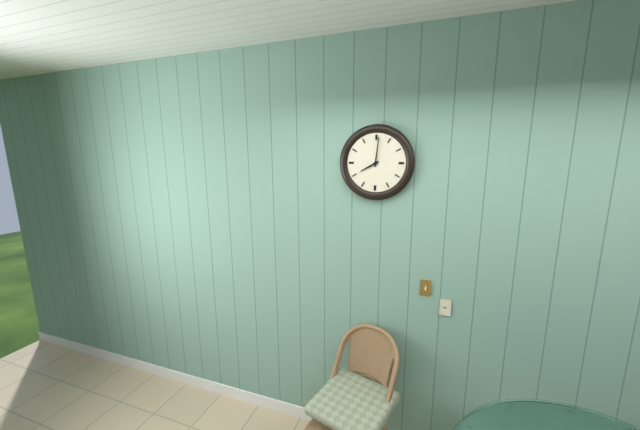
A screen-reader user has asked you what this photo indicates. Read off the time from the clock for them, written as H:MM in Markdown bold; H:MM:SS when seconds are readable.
**8:01**
